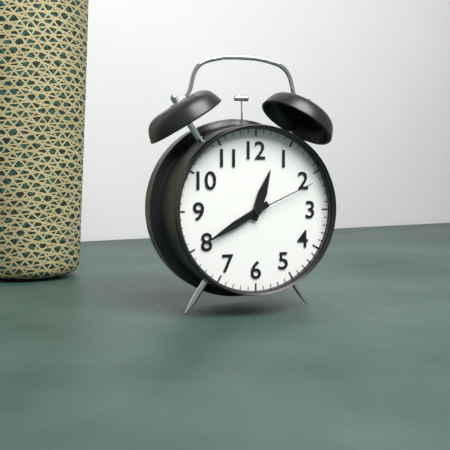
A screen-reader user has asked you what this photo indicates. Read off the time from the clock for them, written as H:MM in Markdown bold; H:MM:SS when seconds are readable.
**12:40:11**
